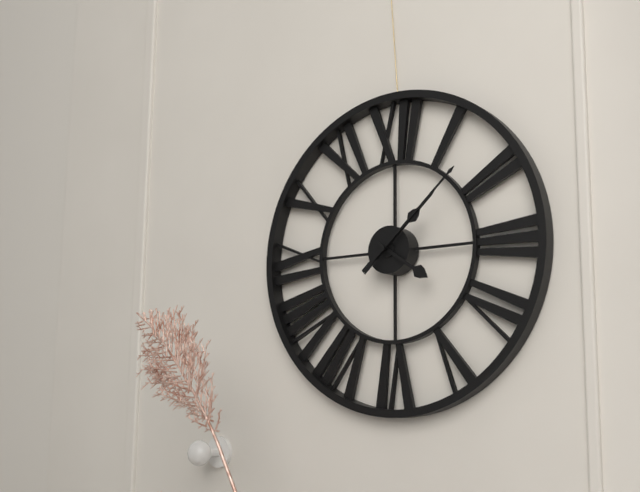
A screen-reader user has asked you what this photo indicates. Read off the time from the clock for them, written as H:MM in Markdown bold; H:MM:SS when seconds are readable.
**4:08:08**
